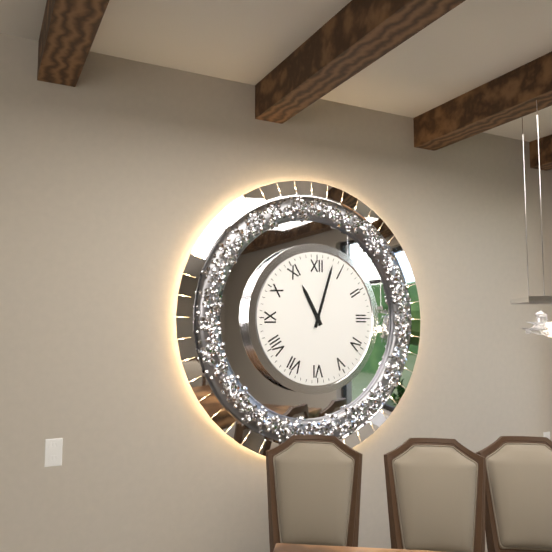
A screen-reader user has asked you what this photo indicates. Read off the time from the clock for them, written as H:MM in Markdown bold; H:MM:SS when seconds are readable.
**11:03**
